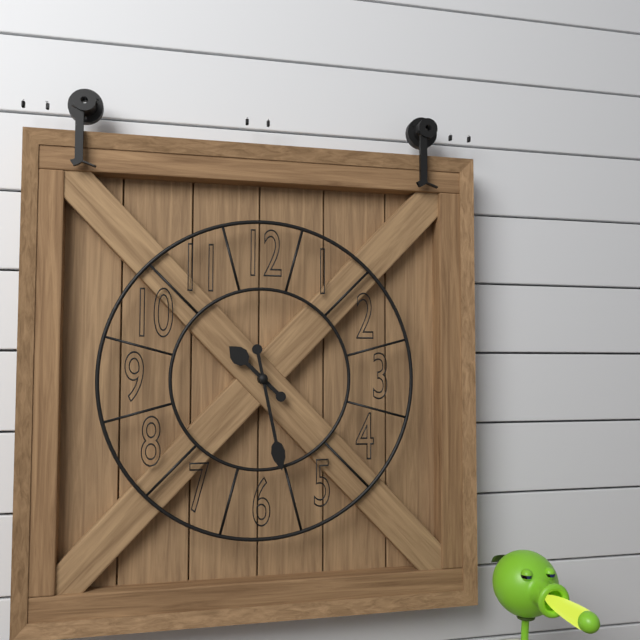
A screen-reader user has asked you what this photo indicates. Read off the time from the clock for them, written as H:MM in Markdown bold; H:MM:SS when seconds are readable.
**10:28**
